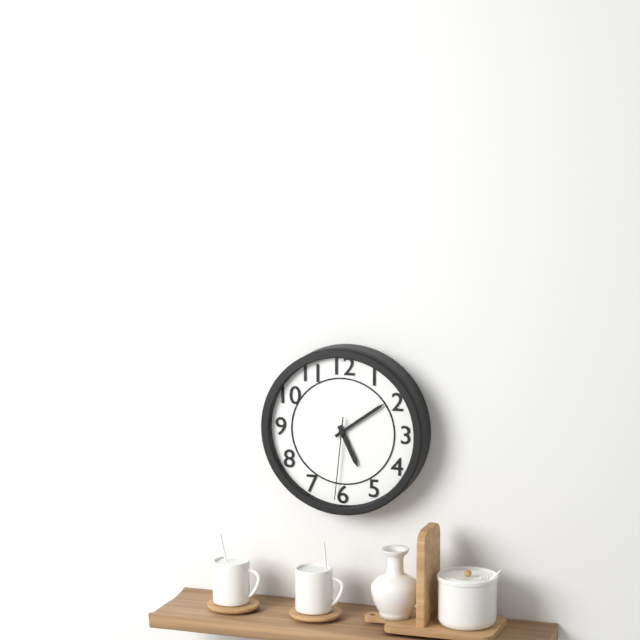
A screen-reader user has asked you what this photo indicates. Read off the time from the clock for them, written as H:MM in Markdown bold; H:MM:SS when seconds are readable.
**5:09:31**
